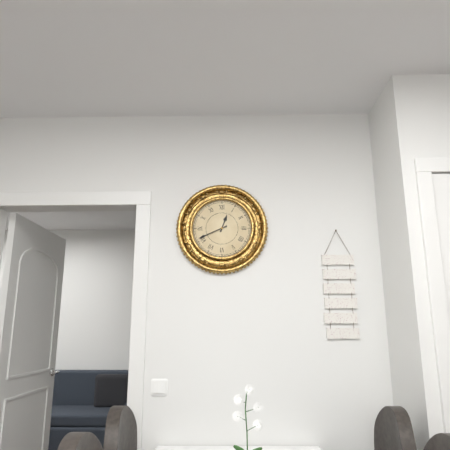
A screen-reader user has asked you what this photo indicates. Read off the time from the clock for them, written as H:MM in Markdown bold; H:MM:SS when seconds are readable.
**12:41**
